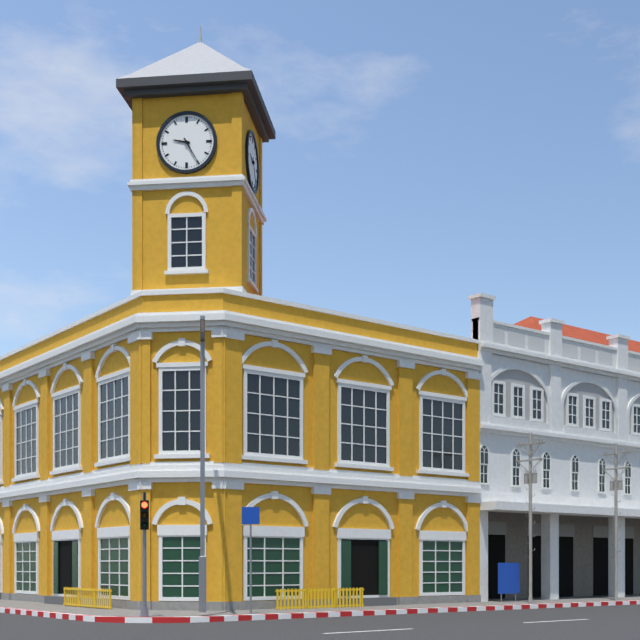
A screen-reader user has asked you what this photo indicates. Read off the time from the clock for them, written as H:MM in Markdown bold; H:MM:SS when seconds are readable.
**9:25**
